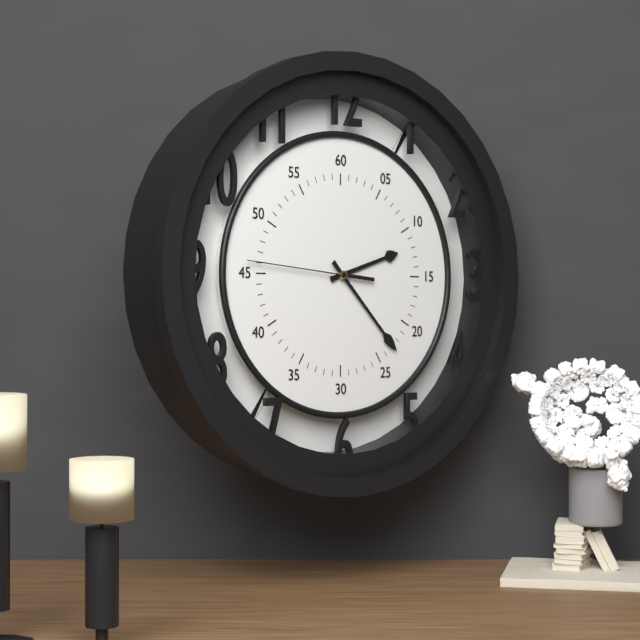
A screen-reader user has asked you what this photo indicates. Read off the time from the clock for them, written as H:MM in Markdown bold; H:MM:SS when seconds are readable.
**2:23:46**
